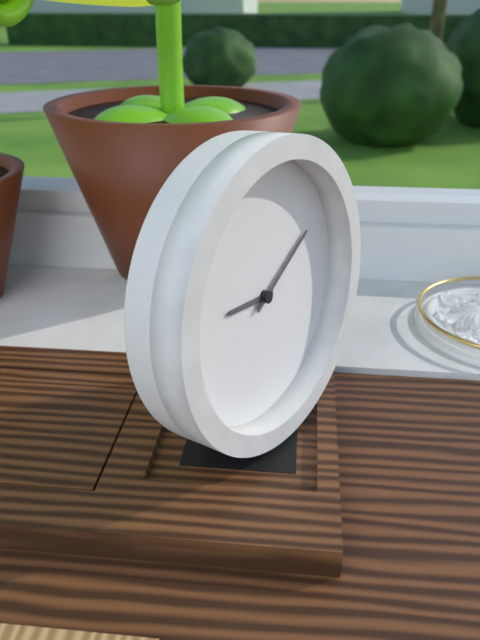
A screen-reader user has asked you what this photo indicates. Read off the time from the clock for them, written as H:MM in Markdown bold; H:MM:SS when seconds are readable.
**9:10**
